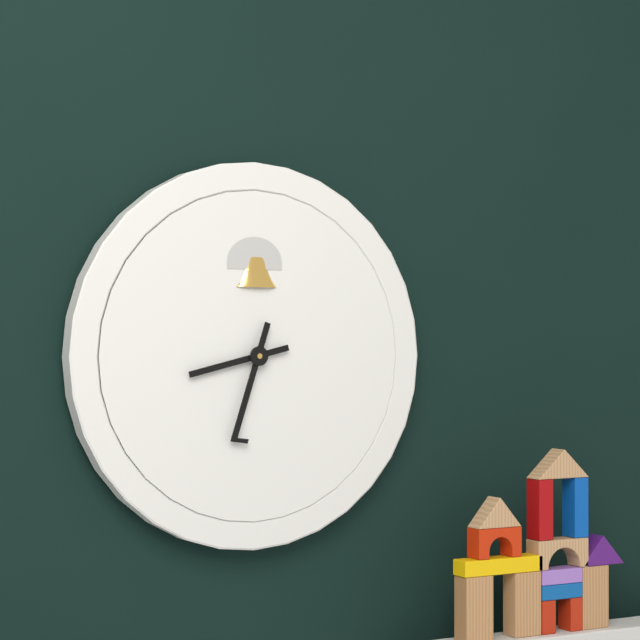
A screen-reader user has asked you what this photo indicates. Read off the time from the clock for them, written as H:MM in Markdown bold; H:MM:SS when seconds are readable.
**8:33**
